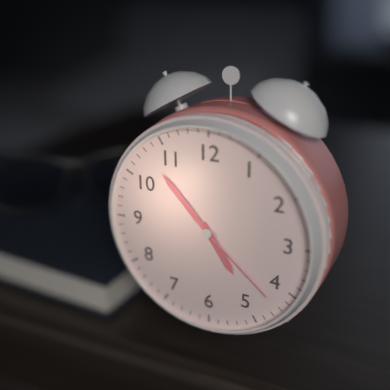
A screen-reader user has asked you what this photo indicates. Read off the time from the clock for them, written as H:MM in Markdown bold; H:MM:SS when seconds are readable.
**4:53:22**
